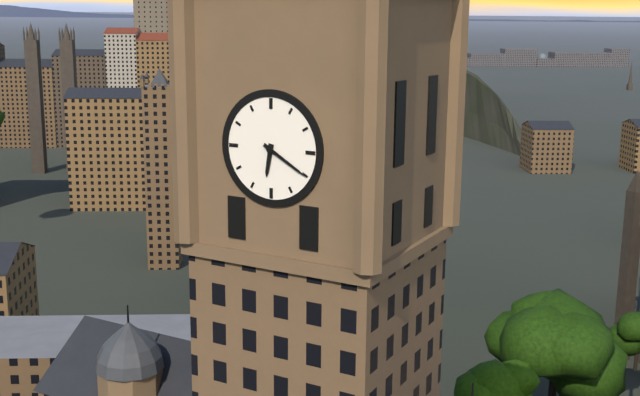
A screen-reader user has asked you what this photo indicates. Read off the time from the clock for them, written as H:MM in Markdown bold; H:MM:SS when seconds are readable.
**6:20**
